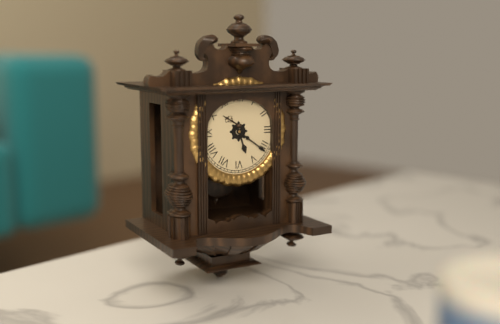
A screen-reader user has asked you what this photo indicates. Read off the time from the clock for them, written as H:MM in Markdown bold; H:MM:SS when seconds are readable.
**5:21**
